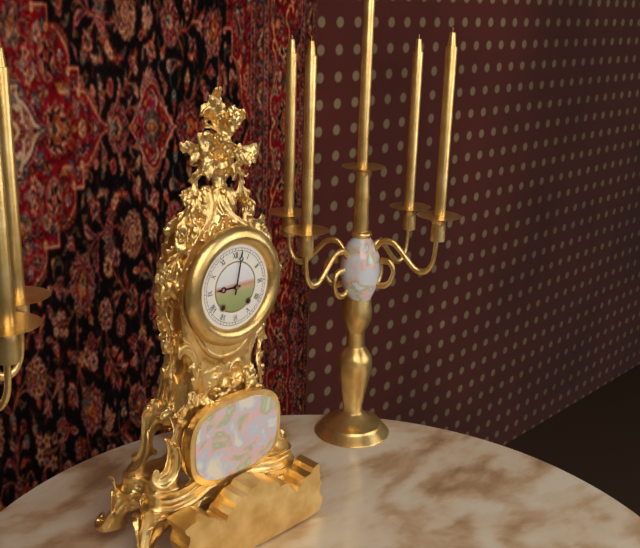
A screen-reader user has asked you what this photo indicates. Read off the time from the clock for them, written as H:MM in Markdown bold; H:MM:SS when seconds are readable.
**9:02**
